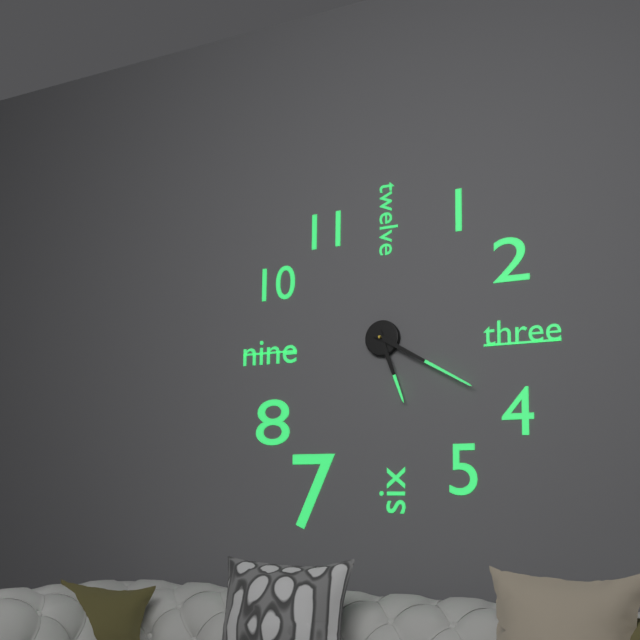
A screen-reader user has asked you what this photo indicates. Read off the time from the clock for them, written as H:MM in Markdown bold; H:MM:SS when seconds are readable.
**5:20**
